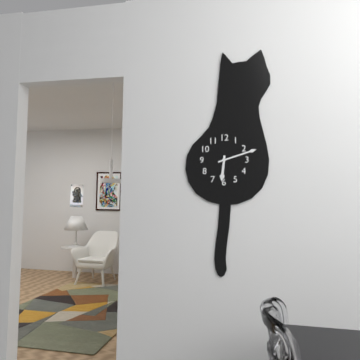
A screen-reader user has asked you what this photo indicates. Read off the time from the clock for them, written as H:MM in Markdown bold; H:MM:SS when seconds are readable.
**6:12**
